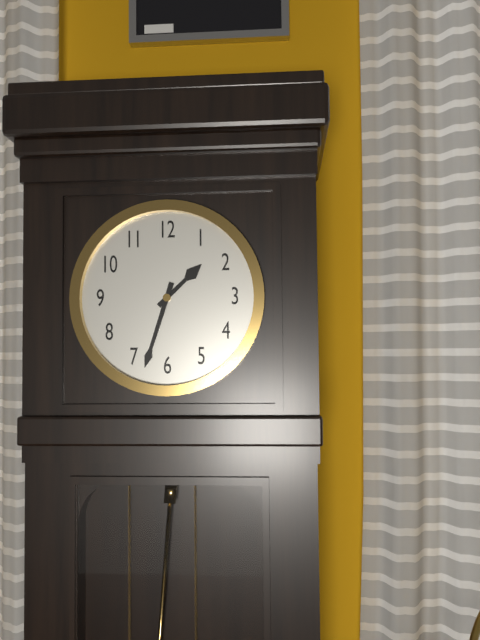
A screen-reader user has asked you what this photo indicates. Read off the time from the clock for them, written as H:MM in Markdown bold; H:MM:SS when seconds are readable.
**1:33**
